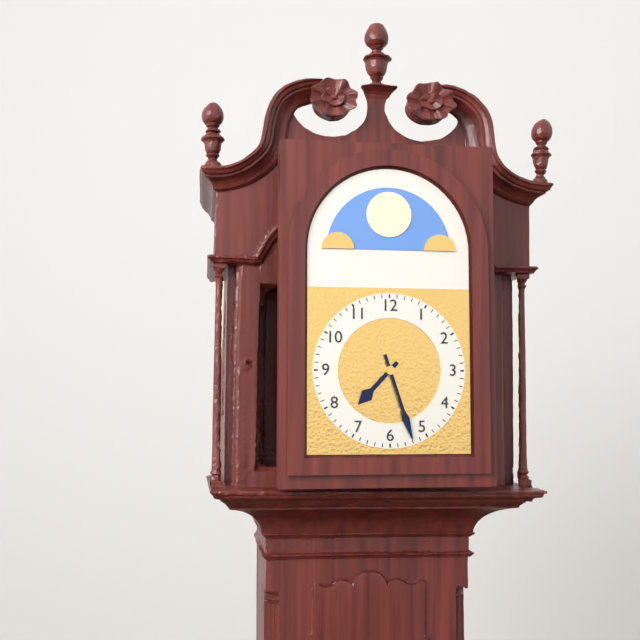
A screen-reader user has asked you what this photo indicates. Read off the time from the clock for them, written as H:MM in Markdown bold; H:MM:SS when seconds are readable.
**7:27**
